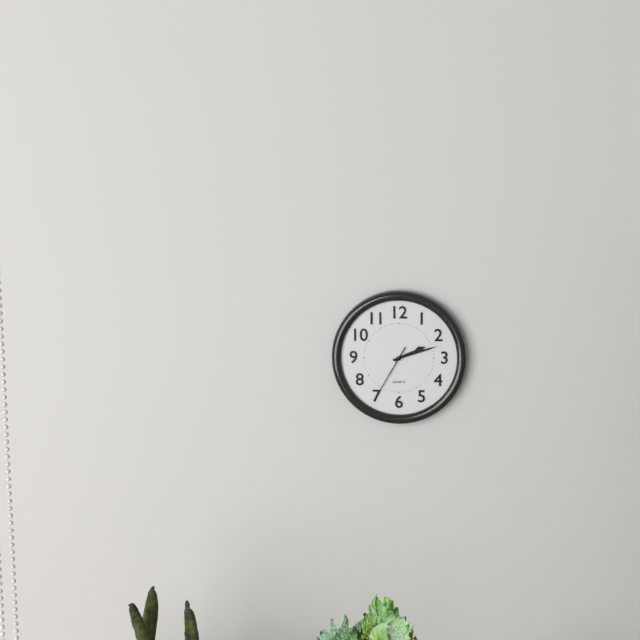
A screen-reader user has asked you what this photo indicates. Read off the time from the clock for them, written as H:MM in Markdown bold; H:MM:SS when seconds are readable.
**2:12:35**
